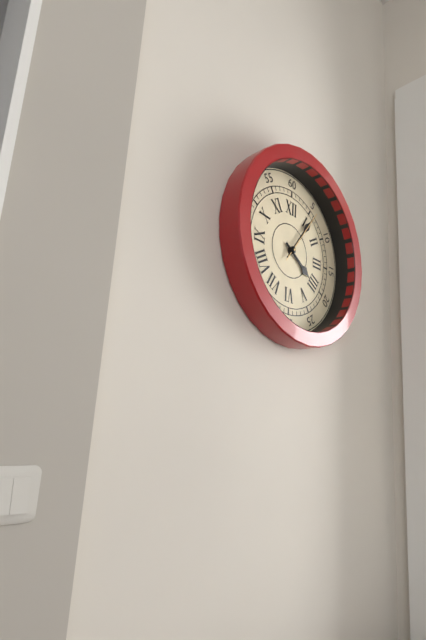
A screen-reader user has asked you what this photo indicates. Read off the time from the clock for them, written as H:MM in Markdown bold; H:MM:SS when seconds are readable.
**4:06:06**
